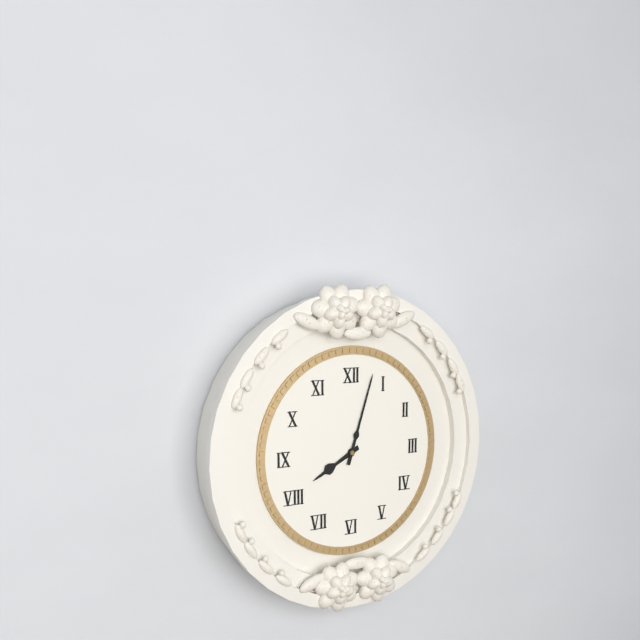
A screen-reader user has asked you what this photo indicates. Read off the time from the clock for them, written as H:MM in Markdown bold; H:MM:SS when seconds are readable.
**8:03**
